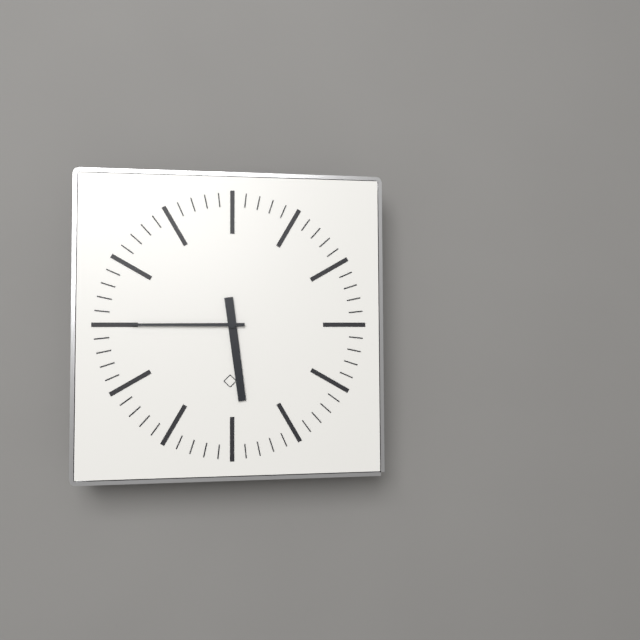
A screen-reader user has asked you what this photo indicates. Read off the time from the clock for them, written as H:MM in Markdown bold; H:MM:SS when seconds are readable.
**5:45**
